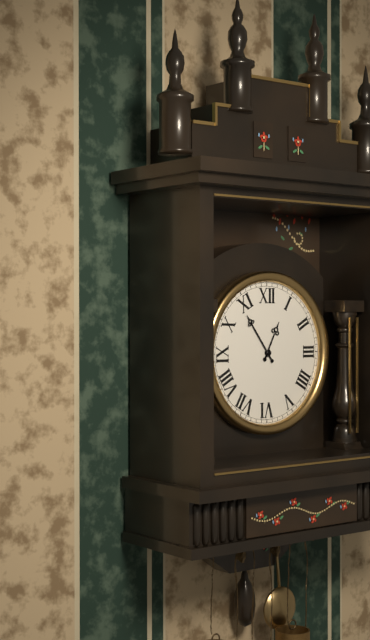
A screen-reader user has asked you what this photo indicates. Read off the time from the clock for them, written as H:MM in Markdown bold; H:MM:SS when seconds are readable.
**12:54**
